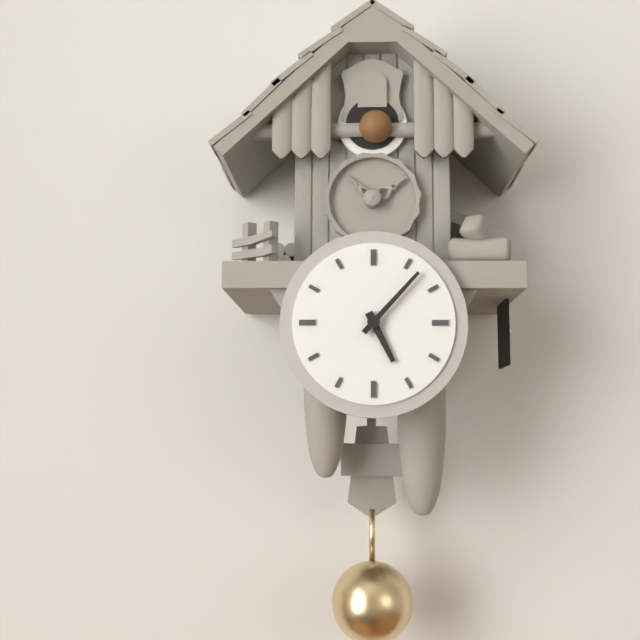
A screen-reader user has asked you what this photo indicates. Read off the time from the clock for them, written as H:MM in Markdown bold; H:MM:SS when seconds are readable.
**5:07**
